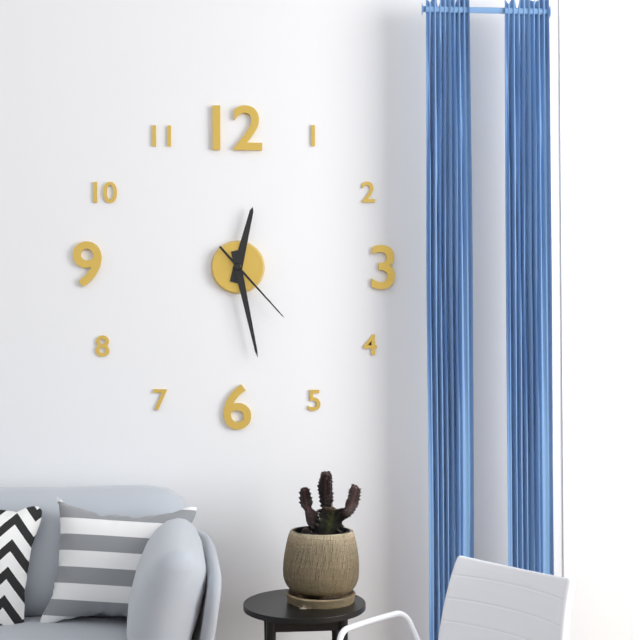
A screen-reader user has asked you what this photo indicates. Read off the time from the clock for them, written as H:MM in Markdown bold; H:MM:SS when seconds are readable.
**12:28:23**
